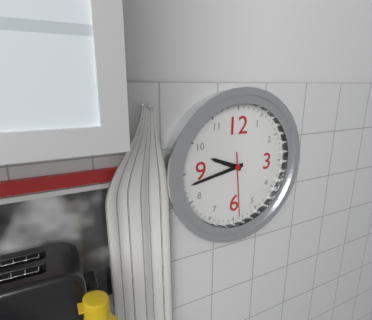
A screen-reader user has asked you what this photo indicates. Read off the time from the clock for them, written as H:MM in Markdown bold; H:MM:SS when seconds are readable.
**9:43:29**
